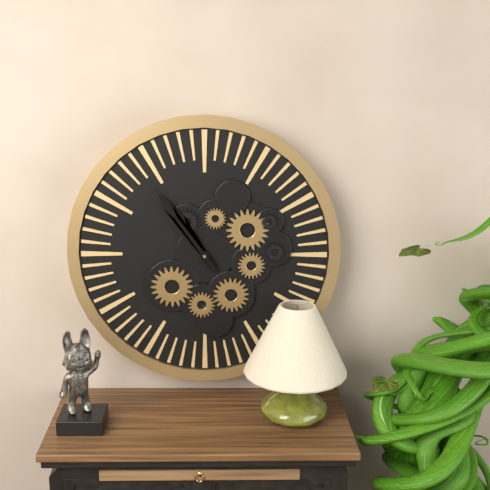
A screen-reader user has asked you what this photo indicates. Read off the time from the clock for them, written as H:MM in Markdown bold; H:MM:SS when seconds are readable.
**10:54**
